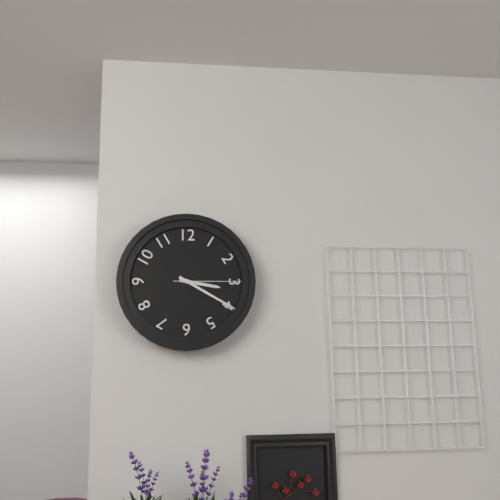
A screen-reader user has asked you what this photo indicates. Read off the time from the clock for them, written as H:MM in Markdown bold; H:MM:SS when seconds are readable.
**3:20:15**
